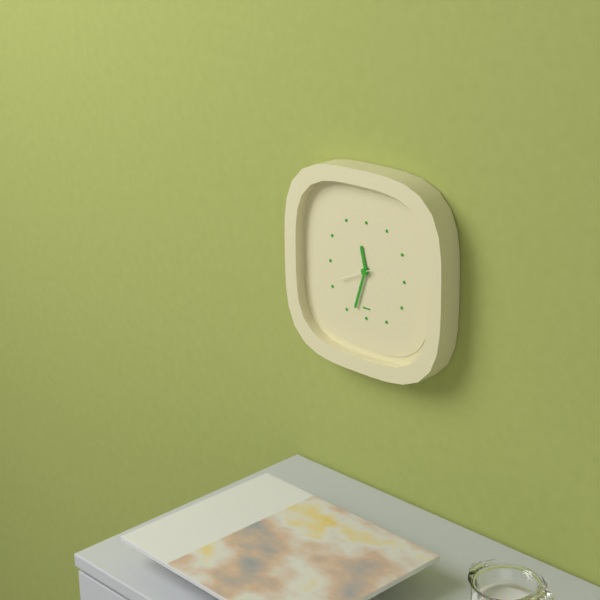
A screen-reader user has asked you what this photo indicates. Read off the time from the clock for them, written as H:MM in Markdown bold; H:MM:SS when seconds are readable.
**11:33**
